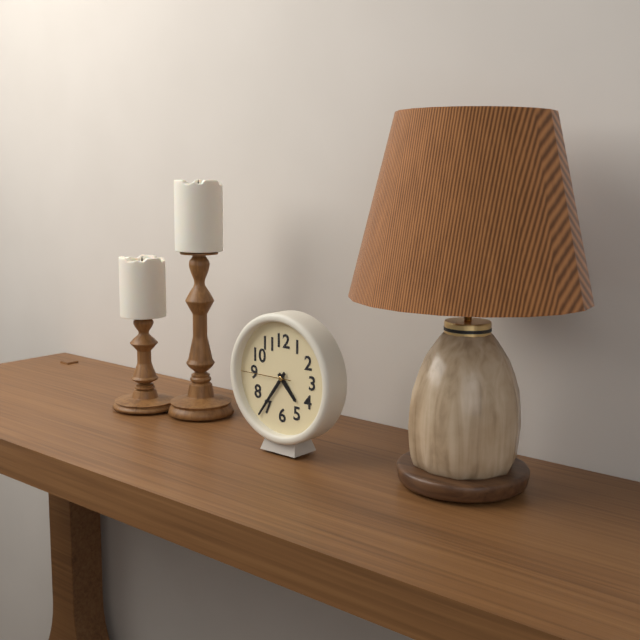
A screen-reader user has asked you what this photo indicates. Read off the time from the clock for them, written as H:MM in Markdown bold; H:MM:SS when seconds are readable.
**4:36:45**
